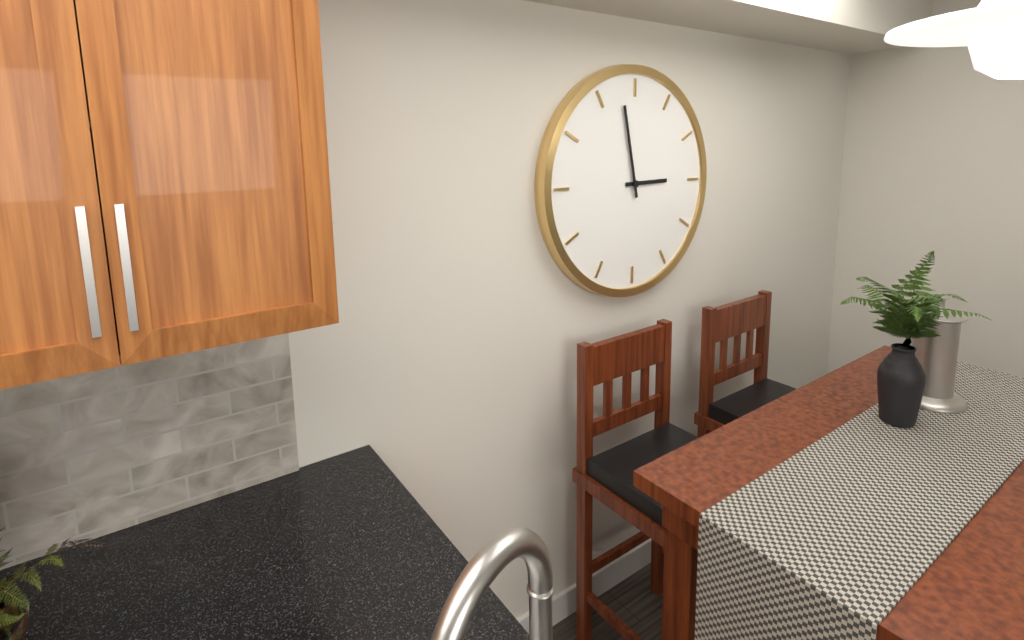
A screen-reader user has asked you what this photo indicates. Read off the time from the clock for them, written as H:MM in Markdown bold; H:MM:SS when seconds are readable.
**2:58**
